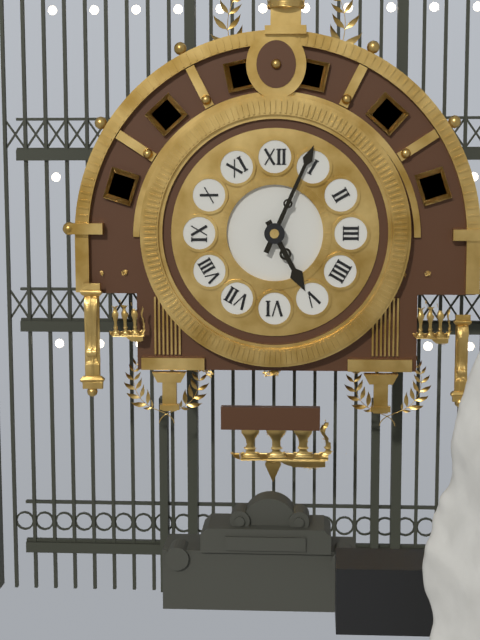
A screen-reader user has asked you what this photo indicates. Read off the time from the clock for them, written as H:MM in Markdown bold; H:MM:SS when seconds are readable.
**5:04**
